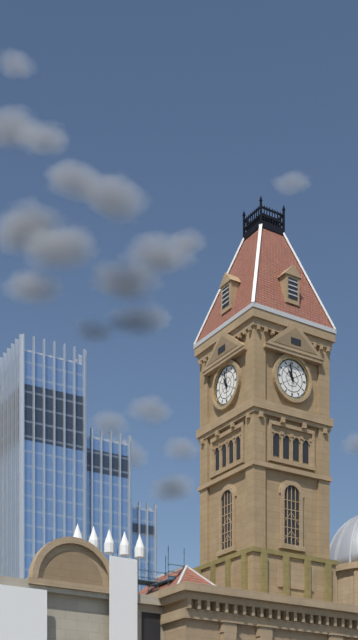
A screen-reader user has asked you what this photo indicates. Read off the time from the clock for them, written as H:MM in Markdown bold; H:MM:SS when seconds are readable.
**10:58**
